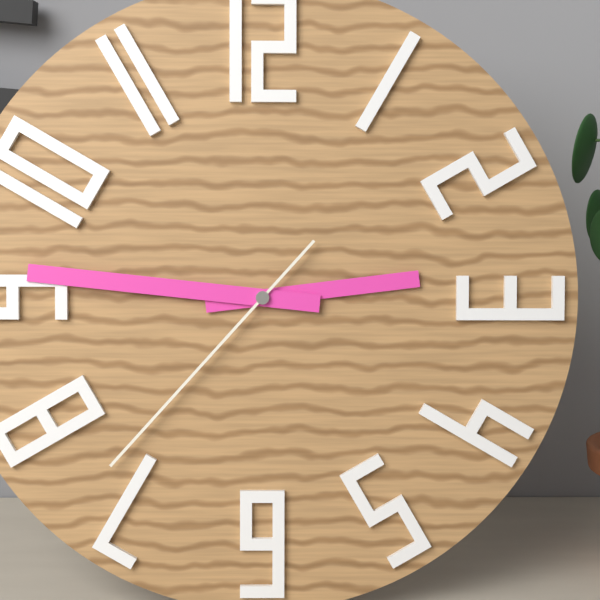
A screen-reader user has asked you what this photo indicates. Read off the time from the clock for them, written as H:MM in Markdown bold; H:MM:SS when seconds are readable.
**2:46:37**
